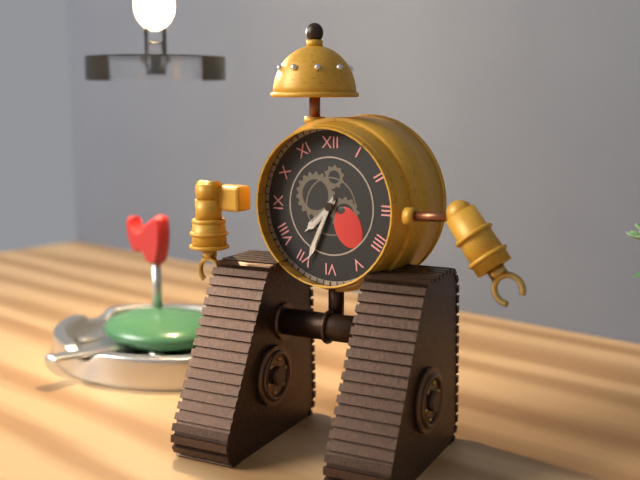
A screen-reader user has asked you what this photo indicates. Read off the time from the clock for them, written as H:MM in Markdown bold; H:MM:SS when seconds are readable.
**7:34**
